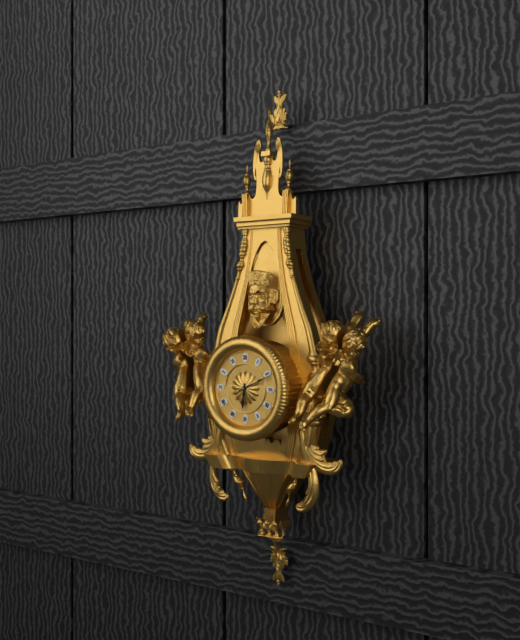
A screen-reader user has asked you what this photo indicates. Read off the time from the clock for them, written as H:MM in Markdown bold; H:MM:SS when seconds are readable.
**6:11**
